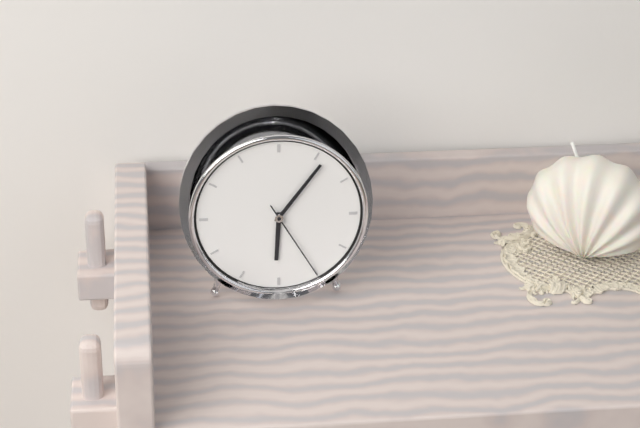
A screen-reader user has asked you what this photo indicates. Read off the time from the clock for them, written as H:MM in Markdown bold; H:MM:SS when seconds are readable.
**6:06:25**
